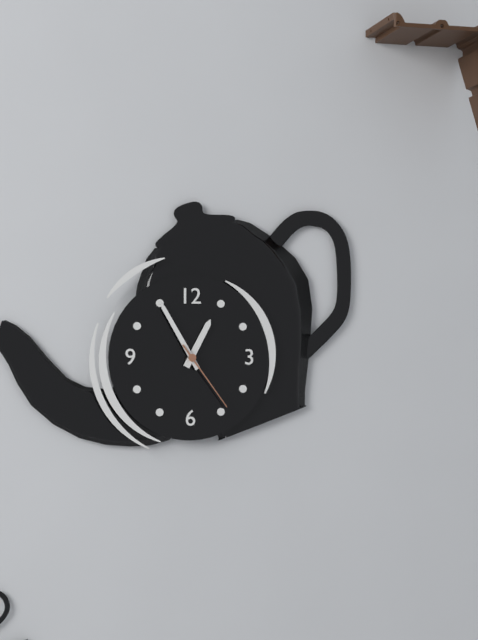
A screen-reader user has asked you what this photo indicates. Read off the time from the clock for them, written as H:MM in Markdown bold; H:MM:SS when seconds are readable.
**12:55:24**
